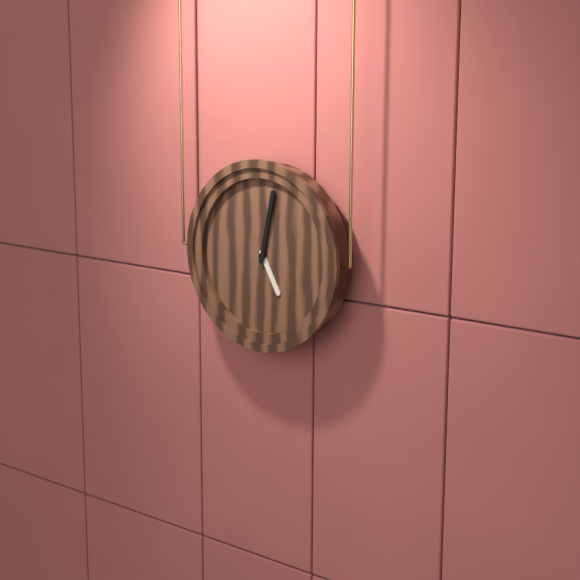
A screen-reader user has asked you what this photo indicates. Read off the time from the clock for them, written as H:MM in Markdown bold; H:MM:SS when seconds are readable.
**5:02**
